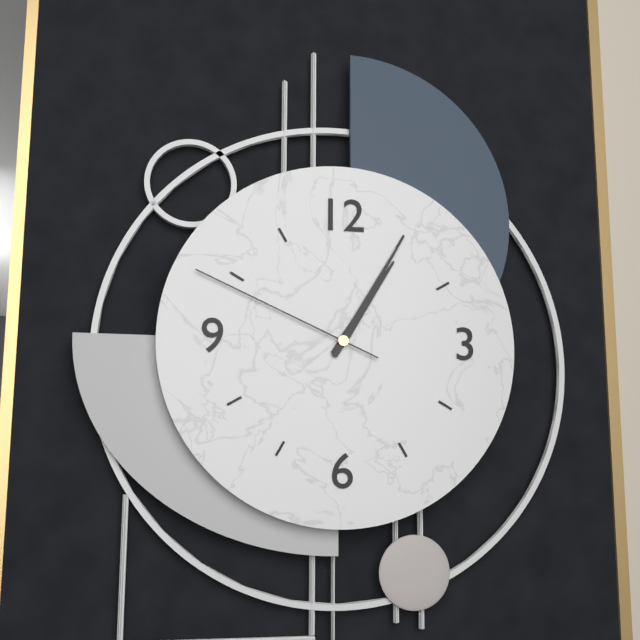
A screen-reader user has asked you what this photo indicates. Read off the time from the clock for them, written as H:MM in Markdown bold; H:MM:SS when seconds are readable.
**1:05:49**
